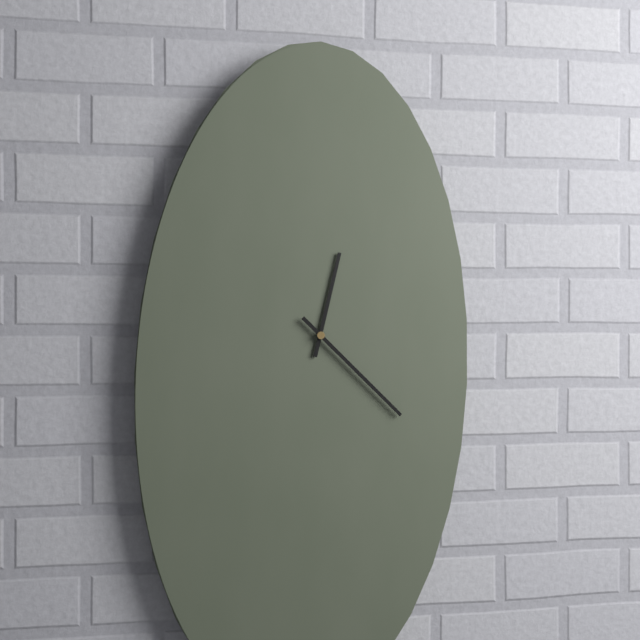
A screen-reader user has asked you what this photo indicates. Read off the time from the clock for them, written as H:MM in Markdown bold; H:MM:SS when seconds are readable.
**12:22**
